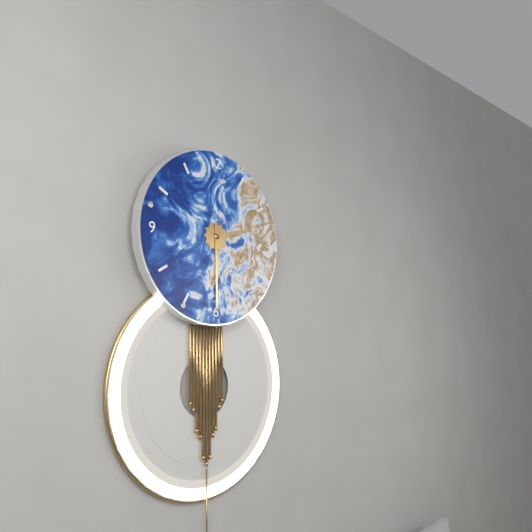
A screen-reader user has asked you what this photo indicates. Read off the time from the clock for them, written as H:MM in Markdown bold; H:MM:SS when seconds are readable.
**2:30**
